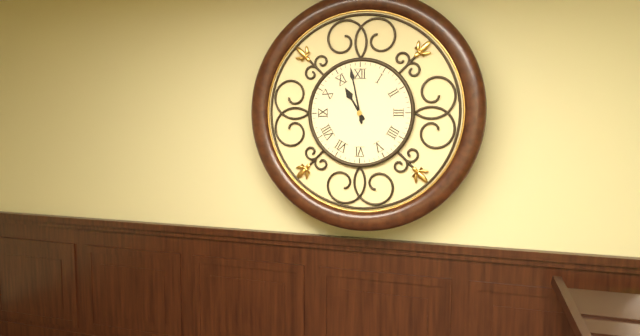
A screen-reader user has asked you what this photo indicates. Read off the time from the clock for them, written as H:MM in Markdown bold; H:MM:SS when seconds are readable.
**10:58**
